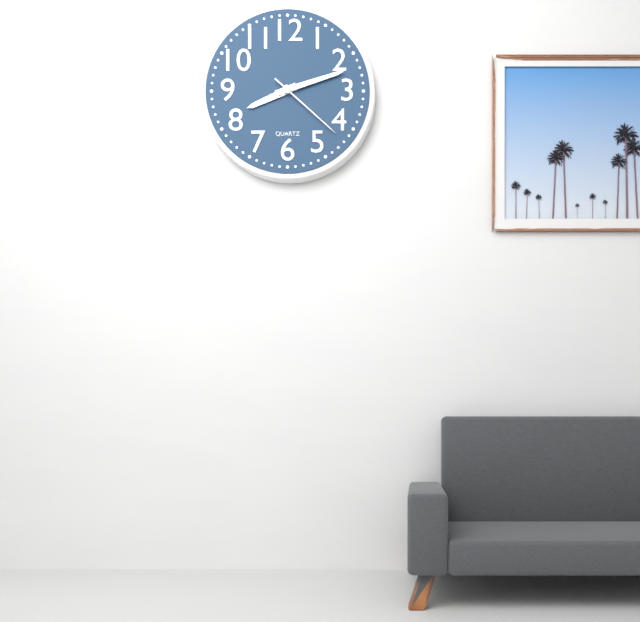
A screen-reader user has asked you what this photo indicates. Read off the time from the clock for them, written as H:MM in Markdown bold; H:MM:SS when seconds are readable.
**8:12:22**
